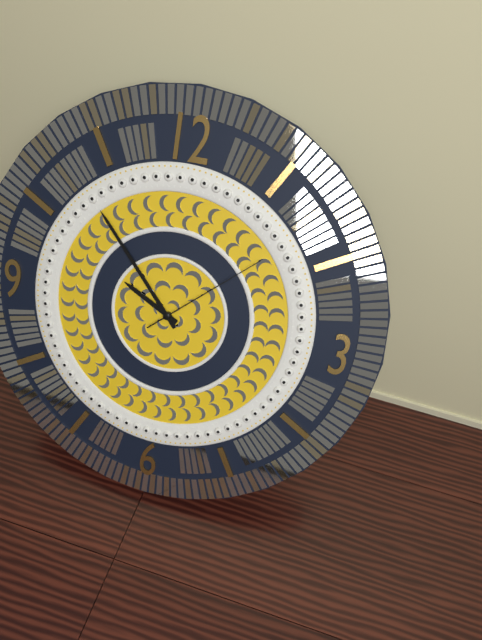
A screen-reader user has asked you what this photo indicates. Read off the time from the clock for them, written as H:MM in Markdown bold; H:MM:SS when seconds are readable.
**9:53:08**
